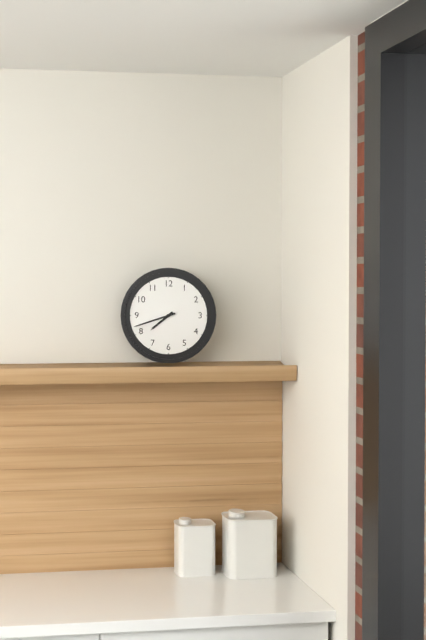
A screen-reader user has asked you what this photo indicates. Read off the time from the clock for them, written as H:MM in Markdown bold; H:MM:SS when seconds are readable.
**7:42**
